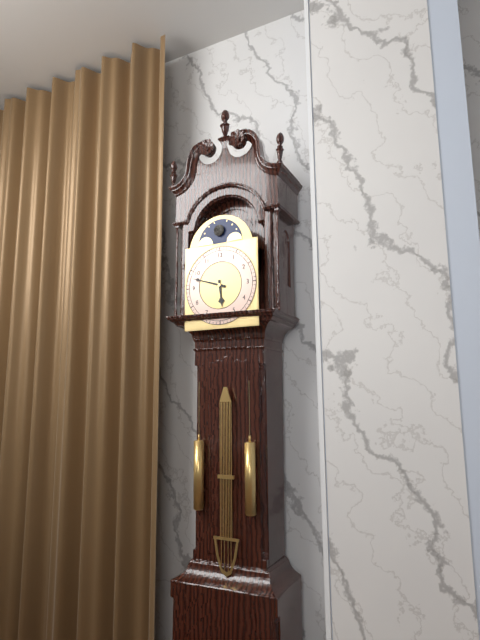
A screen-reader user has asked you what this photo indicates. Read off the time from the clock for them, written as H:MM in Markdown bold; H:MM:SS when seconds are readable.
**5:48**
